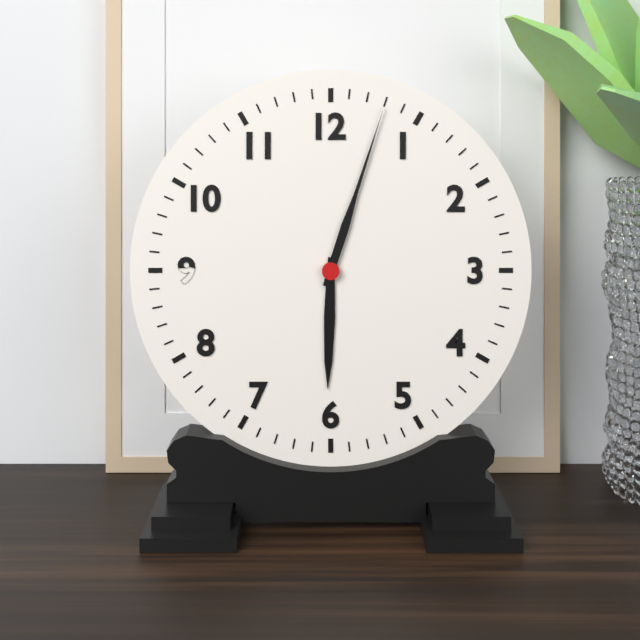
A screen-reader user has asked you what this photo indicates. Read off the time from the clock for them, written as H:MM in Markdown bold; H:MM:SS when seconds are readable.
**6:03**
